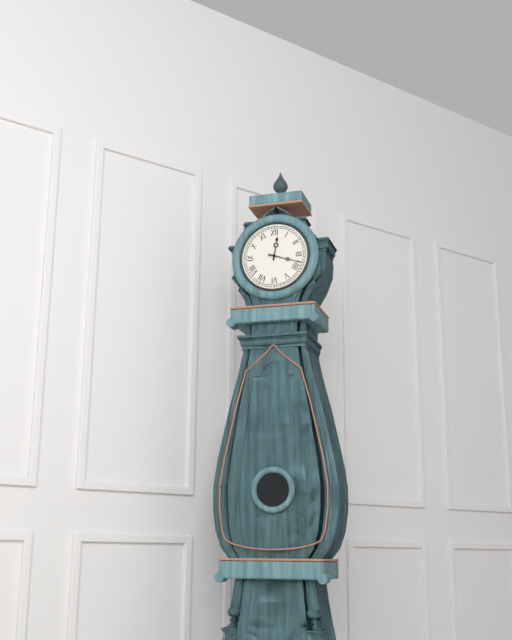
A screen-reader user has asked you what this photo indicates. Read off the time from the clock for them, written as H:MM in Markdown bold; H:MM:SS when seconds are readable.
**12:18**
